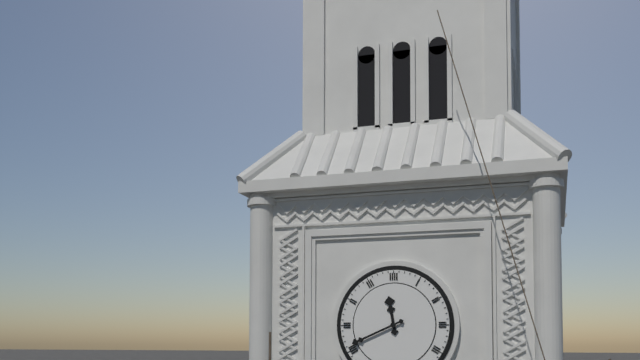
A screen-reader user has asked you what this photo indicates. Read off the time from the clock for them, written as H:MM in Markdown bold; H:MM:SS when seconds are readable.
**11:41**
